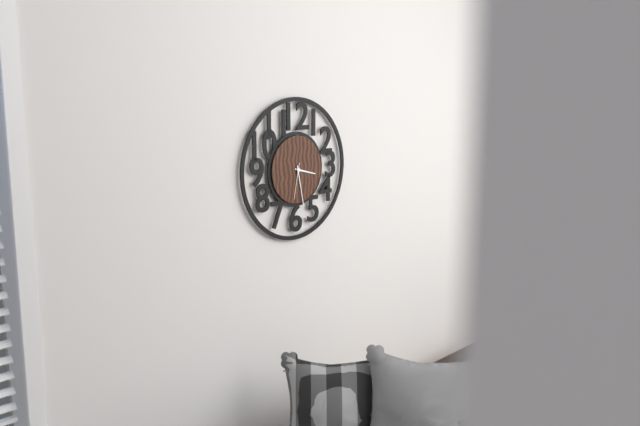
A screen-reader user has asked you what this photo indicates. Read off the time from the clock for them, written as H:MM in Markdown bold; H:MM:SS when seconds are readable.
**3:28**
